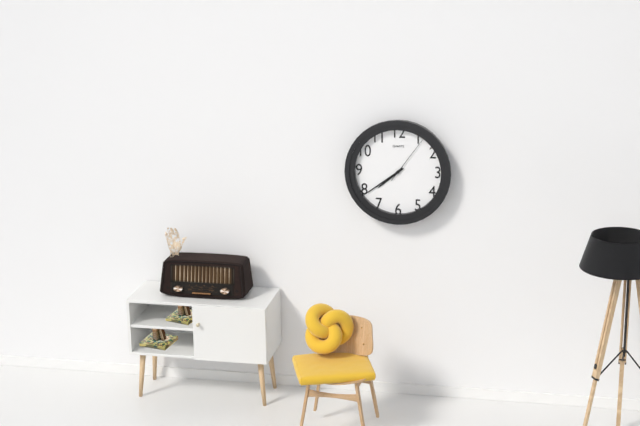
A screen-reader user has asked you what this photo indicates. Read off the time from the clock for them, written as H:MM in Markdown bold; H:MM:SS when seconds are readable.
**7:39:06**
